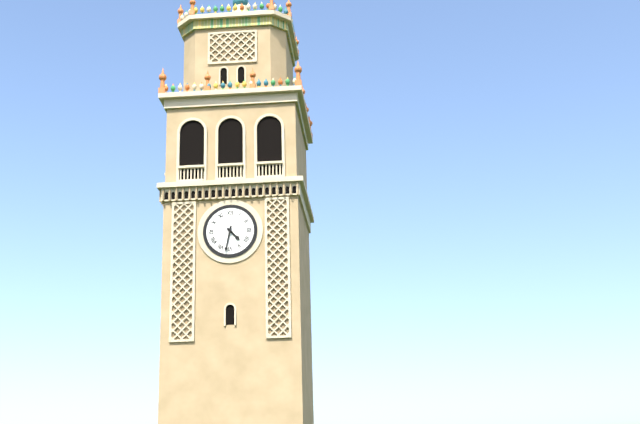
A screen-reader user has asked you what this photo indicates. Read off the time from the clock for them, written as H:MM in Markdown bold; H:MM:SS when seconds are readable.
**4:32**
